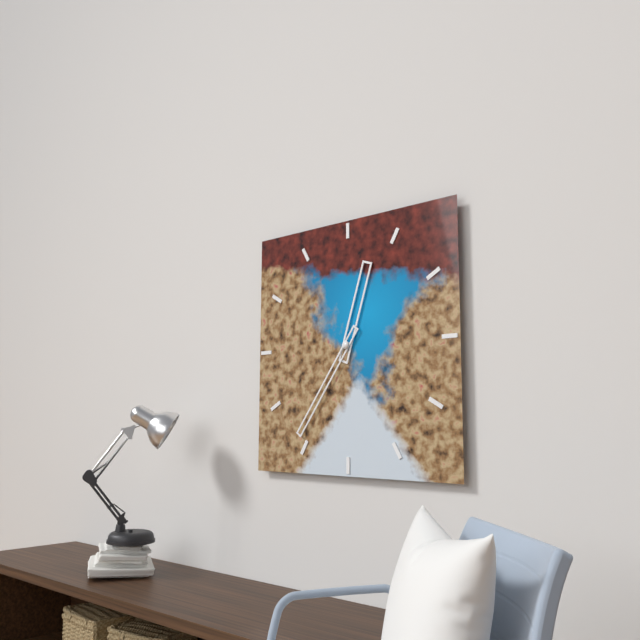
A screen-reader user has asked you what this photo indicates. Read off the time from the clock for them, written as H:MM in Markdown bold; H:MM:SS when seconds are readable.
**12:36**
